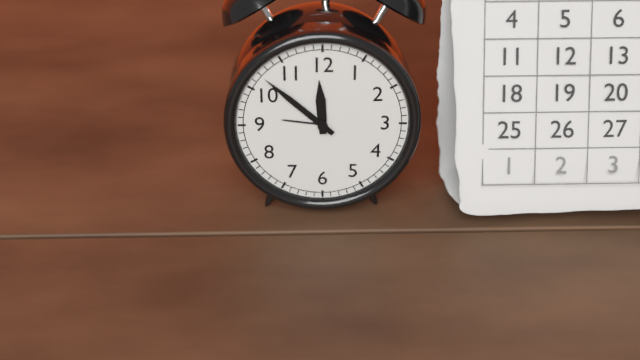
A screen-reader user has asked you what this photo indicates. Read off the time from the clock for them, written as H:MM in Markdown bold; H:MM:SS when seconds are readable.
**11:52**
